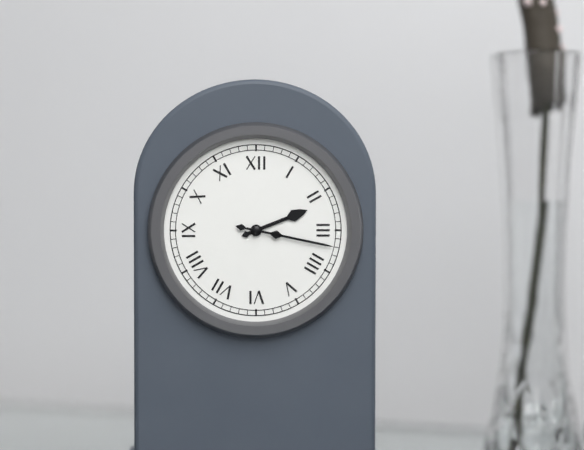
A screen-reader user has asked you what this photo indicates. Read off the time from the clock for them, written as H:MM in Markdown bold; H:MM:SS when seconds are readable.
**2:17**
